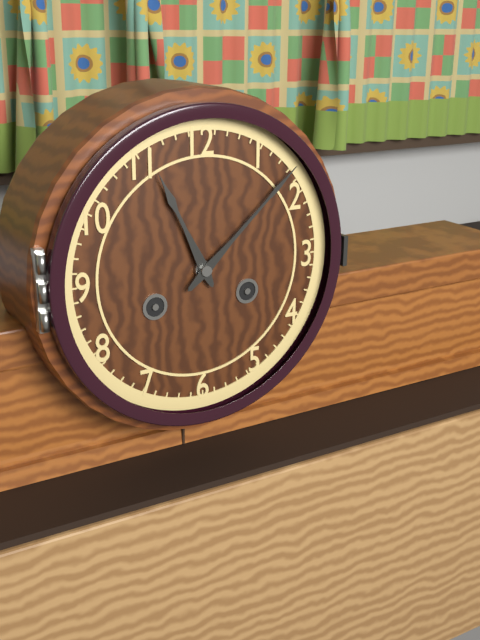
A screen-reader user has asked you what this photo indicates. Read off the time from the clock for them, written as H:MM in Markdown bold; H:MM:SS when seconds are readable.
**11:08**
